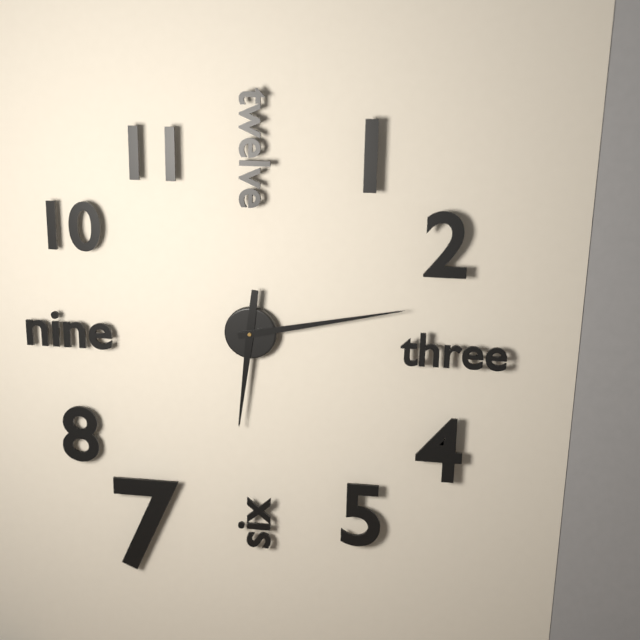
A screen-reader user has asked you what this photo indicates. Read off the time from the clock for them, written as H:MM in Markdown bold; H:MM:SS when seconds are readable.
**6:13**
